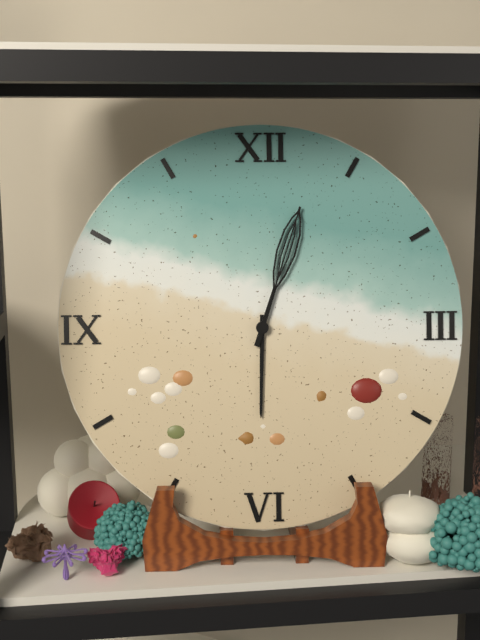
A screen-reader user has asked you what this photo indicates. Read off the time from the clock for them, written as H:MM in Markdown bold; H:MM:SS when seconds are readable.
**6:03**
